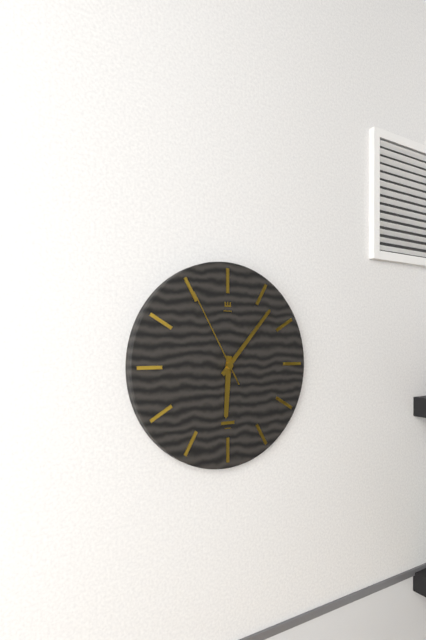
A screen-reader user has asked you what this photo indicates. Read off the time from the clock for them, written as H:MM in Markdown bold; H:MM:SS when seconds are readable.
**6:07:55**
